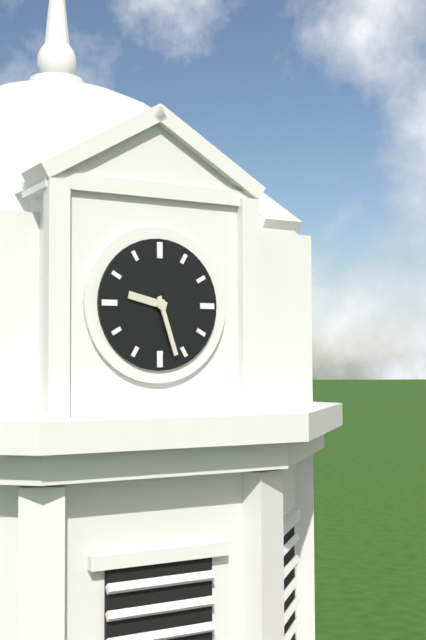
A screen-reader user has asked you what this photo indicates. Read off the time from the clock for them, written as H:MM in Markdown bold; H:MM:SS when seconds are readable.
**9:27**
